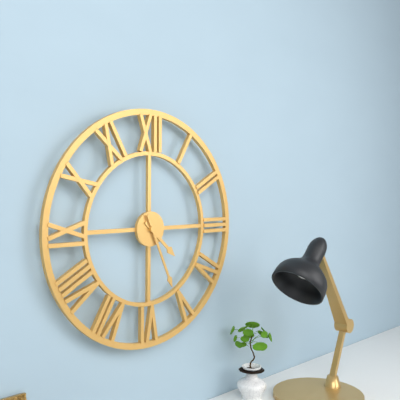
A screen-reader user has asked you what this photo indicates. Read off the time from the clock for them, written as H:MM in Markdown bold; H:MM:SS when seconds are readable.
**4:26**
